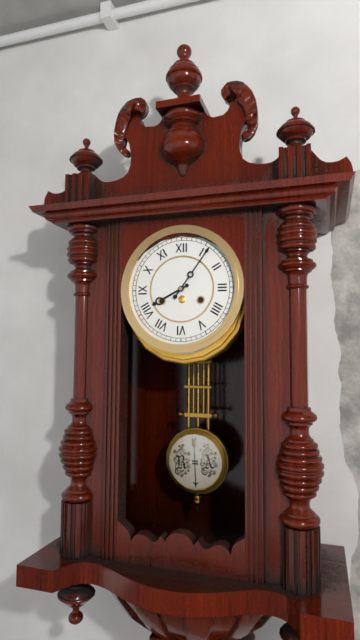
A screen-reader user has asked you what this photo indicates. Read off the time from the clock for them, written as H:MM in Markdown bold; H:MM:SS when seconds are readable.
**8:06**
